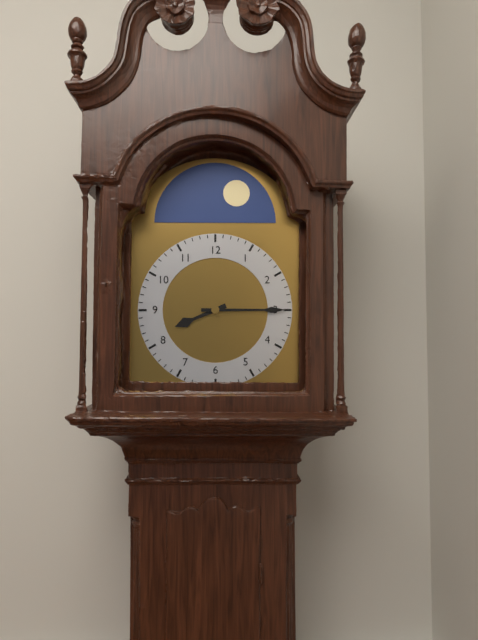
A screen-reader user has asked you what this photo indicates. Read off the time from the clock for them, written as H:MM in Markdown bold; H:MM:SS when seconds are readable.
**8:15**
